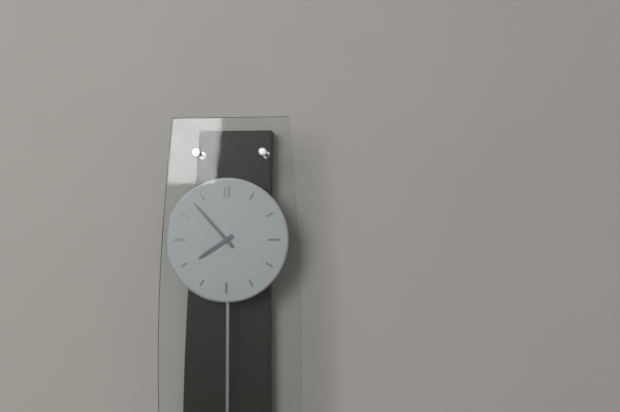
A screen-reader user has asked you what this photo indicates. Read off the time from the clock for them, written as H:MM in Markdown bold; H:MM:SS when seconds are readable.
**7:53**
